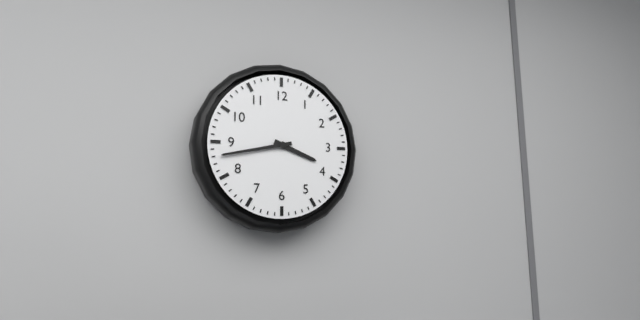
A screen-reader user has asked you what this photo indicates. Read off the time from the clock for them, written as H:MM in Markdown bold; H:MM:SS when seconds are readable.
**3:43**
